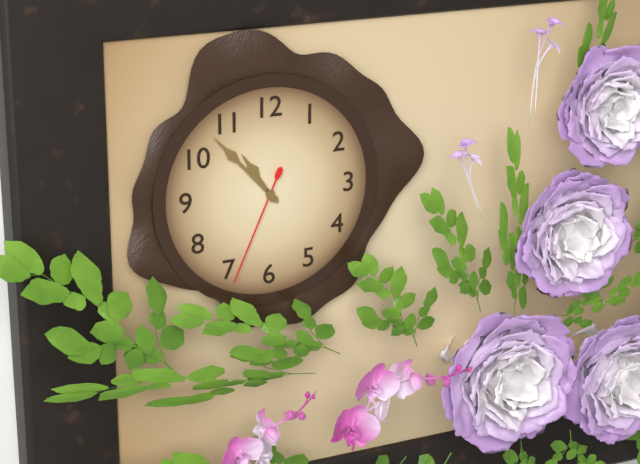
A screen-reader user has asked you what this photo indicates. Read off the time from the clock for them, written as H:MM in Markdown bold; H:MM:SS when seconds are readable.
**10:53:34**
